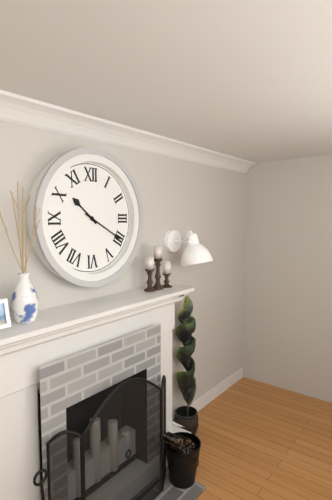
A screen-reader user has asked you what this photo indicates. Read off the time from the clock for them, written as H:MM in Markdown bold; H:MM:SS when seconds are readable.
**10:20**
